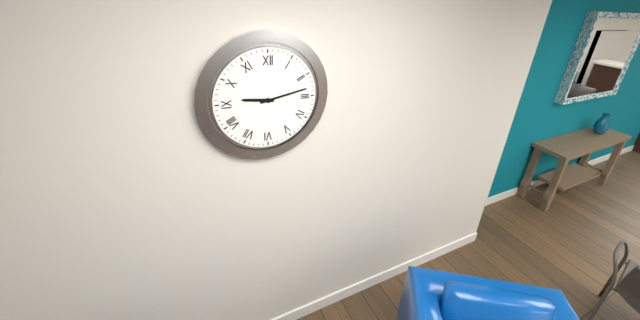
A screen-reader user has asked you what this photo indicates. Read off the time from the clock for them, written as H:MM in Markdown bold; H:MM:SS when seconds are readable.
**9:13**
